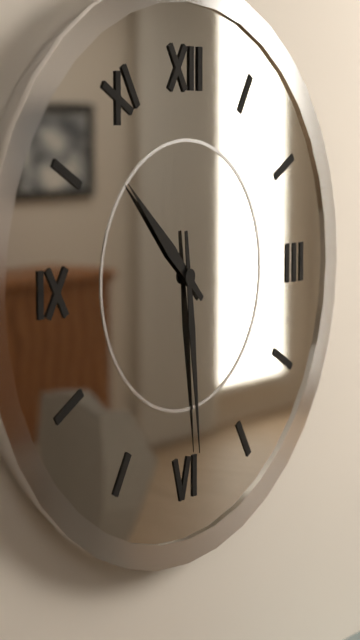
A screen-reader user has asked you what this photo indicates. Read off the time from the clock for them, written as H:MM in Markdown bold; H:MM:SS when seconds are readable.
**10:29**
